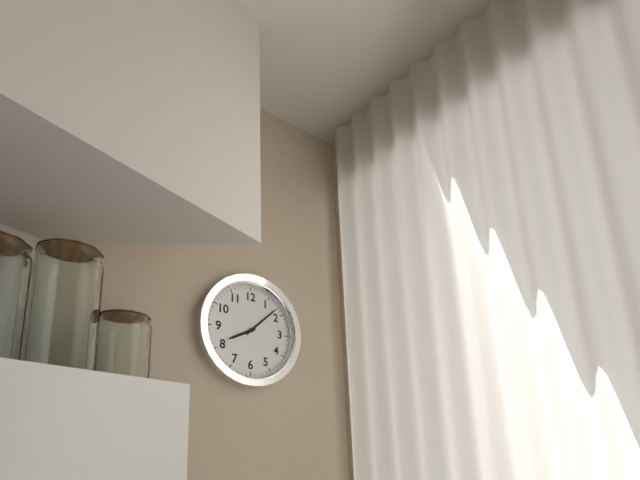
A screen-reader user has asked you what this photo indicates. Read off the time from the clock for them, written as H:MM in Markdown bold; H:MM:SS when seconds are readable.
**8:08**
